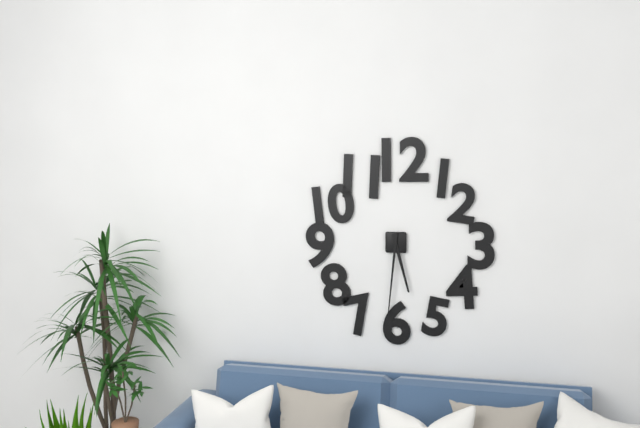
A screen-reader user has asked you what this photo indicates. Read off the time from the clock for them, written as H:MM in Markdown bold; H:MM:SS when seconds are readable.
**5:31**
